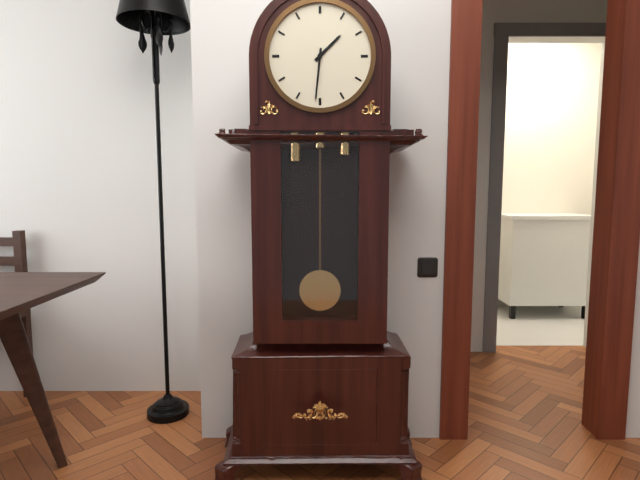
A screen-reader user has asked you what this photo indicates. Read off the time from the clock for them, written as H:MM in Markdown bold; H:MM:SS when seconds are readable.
**1:31**
